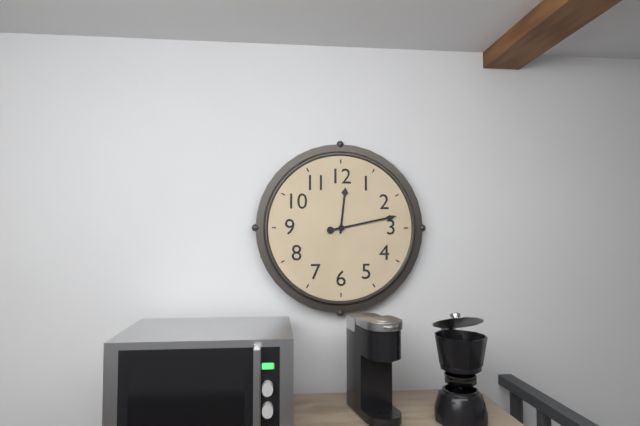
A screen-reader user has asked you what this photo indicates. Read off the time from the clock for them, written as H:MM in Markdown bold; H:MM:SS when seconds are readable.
**12:13**
